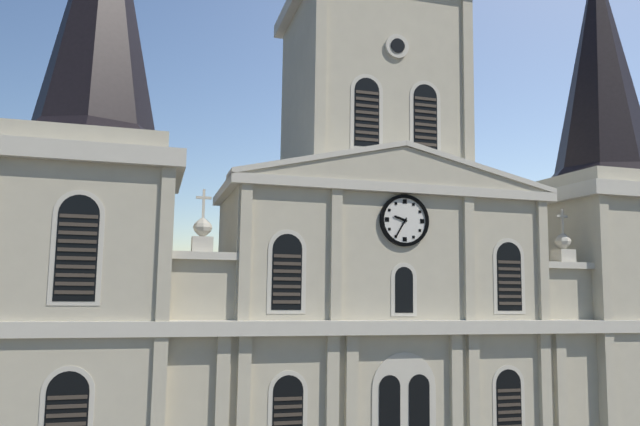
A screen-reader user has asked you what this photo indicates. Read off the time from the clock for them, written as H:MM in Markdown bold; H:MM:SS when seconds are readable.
**9:35**
